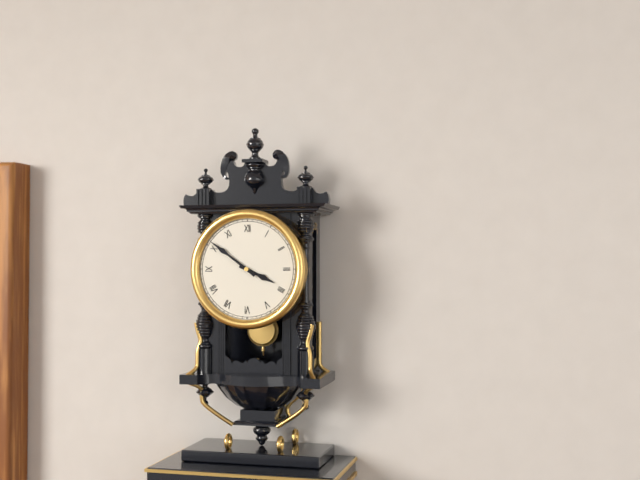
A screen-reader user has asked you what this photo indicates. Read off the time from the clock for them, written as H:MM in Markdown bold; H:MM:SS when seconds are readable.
**3:51**
